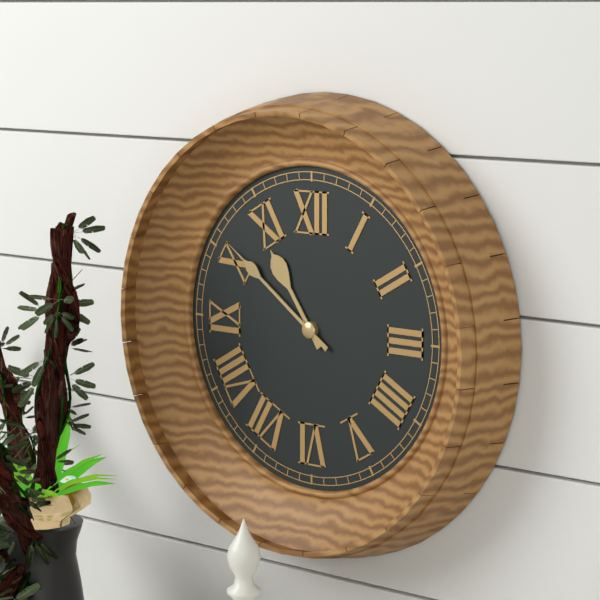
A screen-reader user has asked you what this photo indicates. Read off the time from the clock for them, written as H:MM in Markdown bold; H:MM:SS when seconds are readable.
**10:51**
